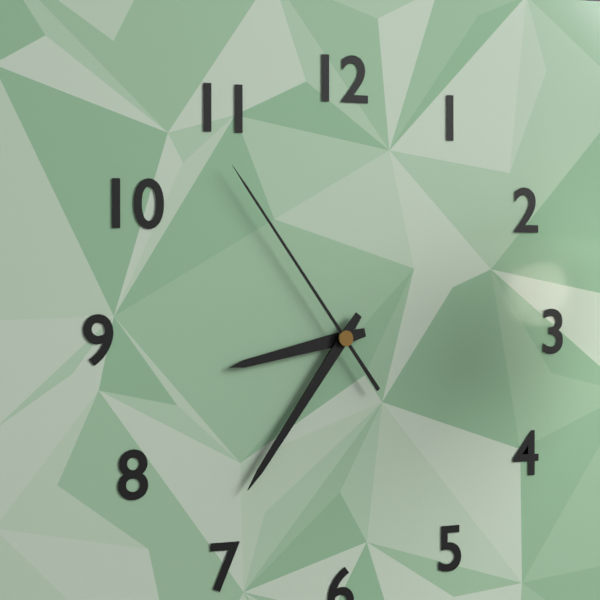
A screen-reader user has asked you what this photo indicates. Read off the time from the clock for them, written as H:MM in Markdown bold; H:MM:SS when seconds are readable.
**8:36:54**
